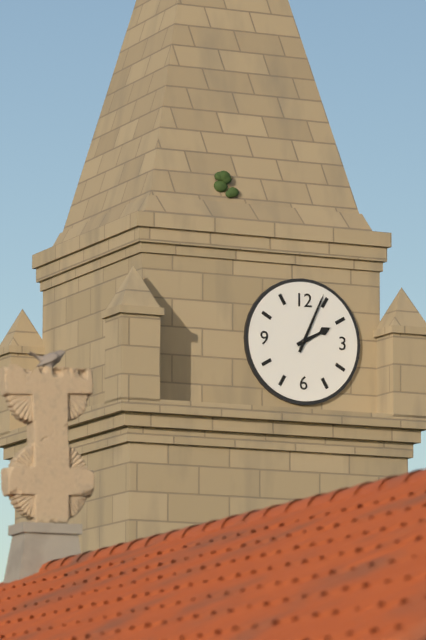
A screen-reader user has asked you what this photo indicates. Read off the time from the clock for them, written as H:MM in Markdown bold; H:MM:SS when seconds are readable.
**2:04**
